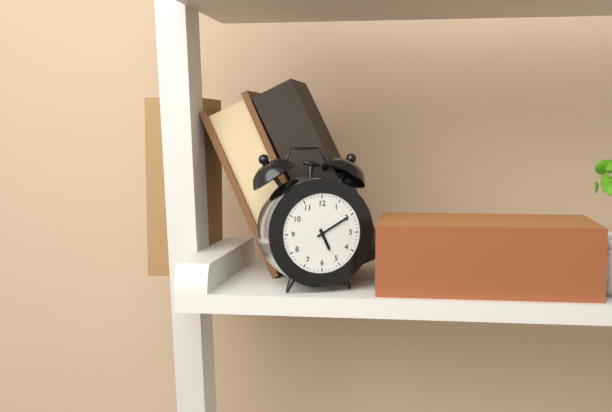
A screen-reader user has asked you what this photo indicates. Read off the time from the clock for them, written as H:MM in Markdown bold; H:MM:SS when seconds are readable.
**5:10**
